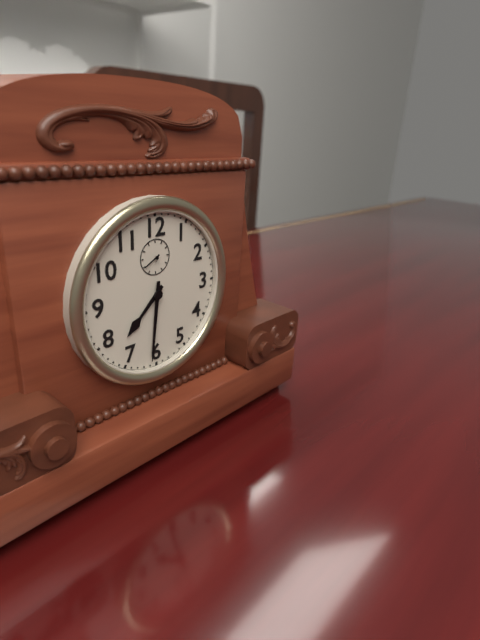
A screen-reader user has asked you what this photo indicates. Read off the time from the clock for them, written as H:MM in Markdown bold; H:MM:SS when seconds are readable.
**7:31**
